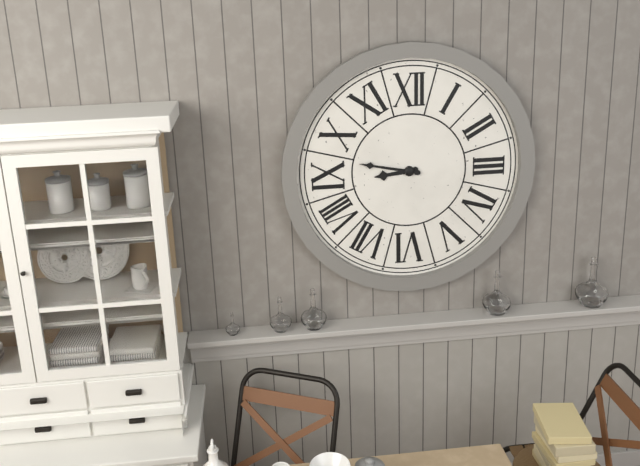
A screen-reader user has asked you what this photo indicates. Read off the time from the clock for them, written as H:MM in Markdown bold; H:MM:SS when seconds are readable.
**8:47**
